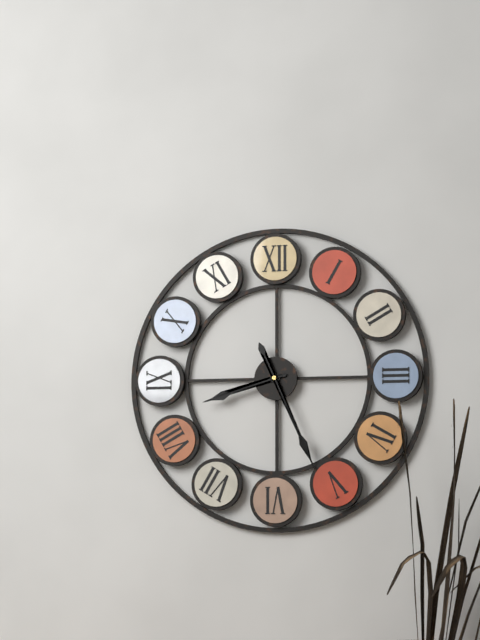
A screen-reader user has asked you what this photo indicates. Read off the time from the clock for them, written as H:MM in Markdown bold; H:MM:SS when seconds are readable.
**8:26**
